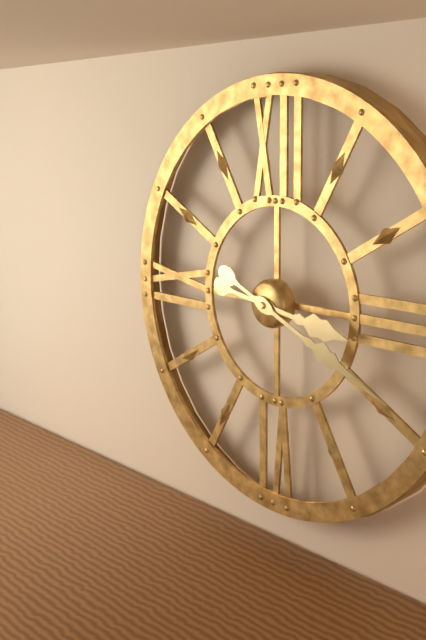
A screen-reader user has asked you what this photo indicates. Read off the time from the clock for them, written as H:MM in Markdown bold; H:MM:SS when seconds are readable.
**3:19**
